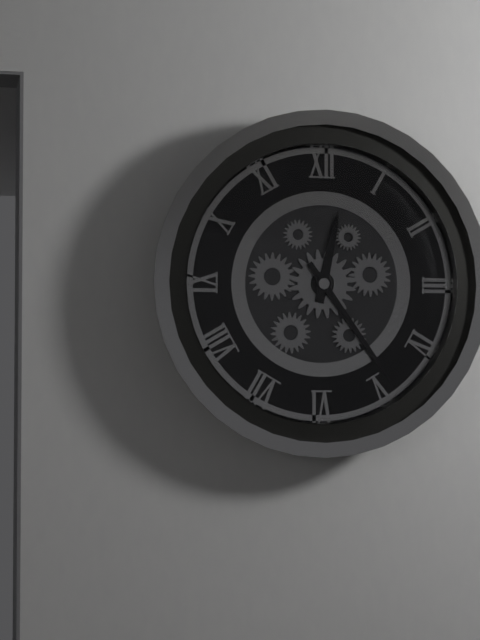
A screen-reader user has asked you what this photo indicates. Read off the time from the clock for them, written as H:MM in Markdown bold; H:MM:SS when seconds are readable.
**12:24**
